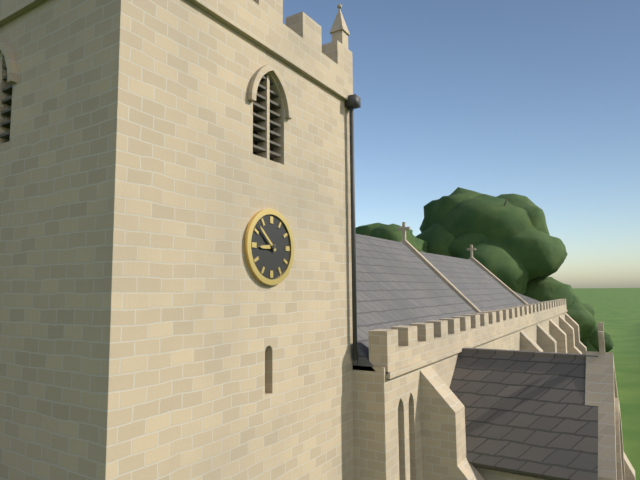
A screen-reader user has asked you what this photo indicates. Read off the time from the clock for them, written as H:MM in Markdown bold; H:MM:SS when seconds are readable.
**8:52**
